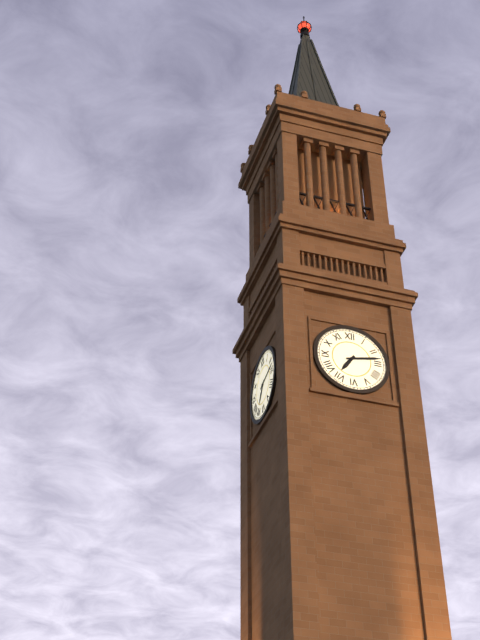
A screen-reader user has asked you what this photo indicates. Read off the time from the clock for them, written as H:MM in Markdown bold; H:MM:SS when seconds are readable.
**7:13**
